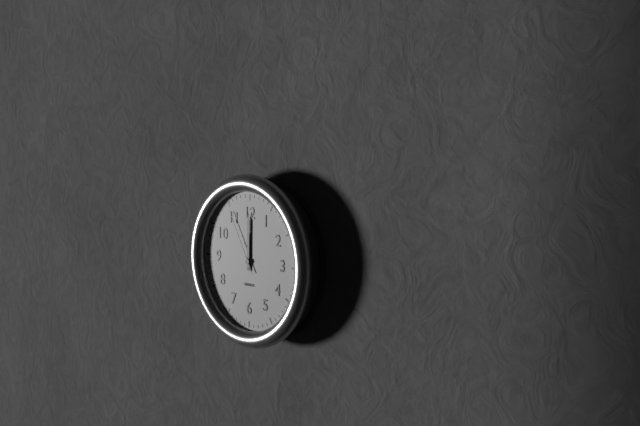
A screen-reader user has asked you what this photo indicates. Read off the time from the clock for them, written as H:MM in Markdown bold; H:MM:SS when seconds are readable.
**12:00:55**
